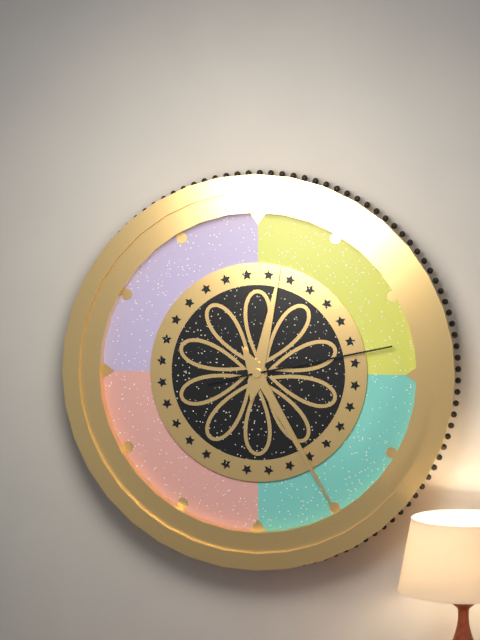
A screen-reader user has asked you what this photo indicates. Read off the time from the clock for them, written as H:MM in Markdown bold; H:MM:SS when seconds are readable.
**12:25:13**
